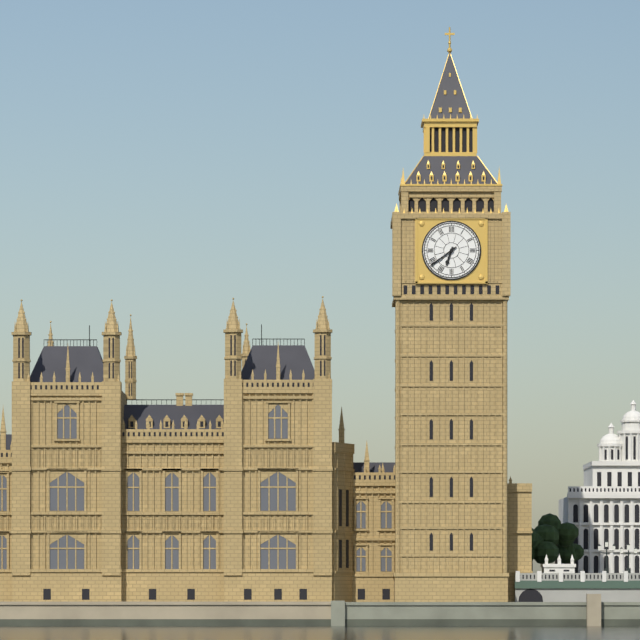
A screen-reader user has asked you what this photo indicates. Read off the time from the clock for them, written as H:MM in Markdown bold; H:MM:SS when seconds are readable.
**6:39**
